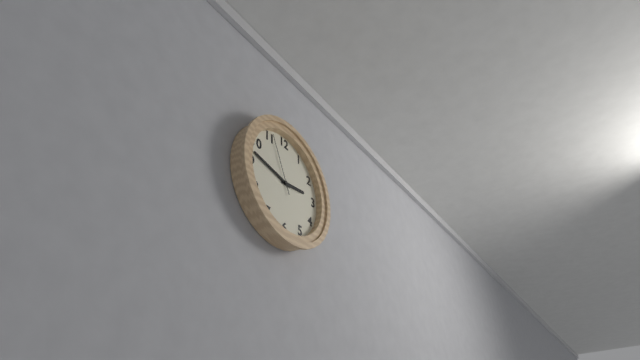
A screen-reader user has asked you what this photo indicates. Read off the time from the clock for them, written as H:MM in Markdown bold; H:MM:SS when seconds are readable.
**2:47:56**
